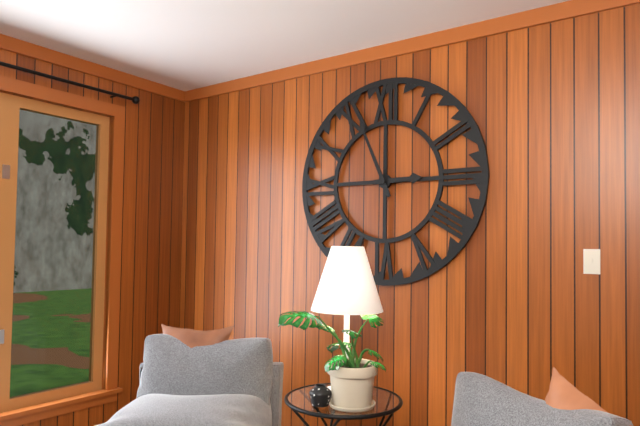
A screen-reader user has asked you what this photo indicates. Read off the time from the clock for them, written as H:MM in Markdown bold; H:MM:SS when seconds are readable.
**2:56**
